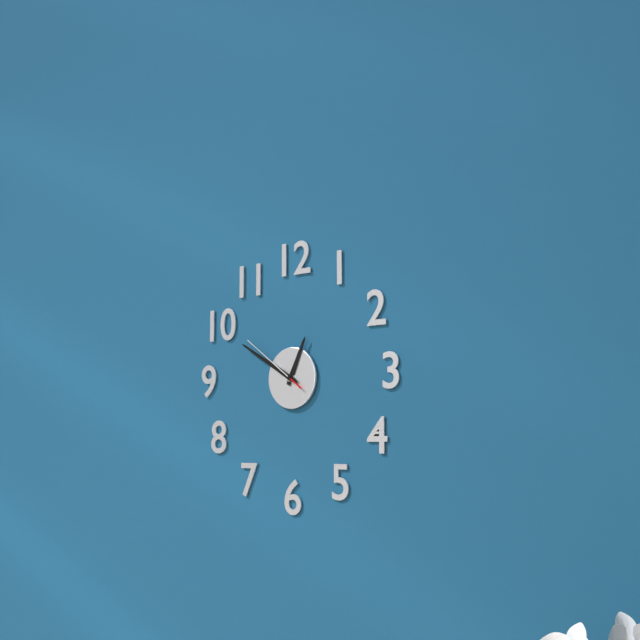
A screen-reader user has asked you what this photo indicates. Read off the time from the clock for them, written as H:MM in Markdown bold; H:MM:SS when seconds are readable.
**12:50:51**
